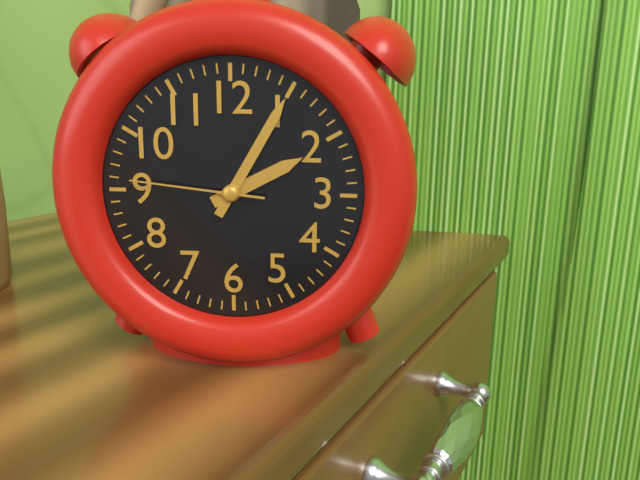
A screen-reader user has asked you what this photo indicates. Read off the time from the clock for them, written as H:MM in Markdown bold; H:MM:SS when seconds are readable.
**2:05:46**
